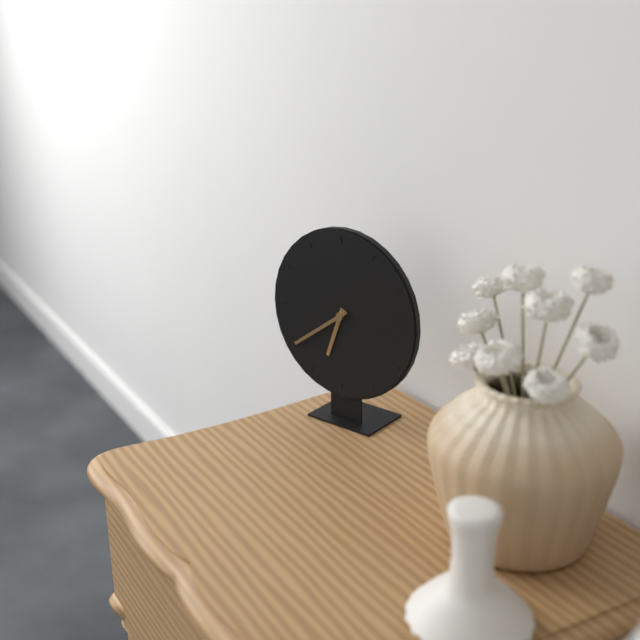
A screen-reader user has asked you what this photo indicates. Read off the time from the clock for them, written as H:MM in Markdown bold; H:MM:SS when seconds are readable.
**6:39**
